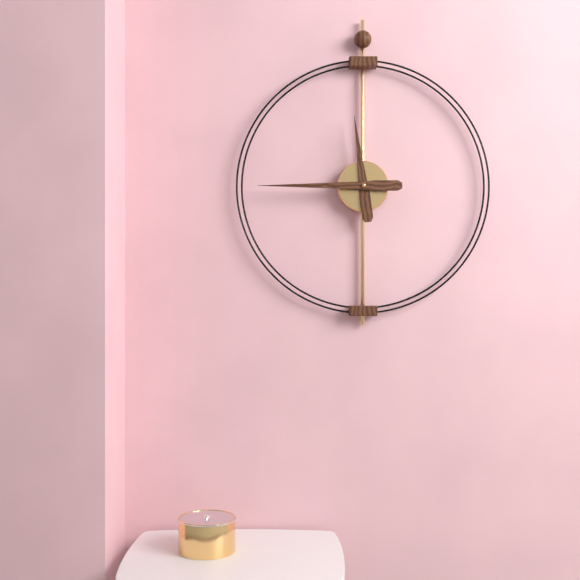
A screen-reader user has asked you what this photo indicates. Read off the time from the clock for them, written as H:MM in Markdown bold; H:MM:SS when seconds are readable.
**11:45**
